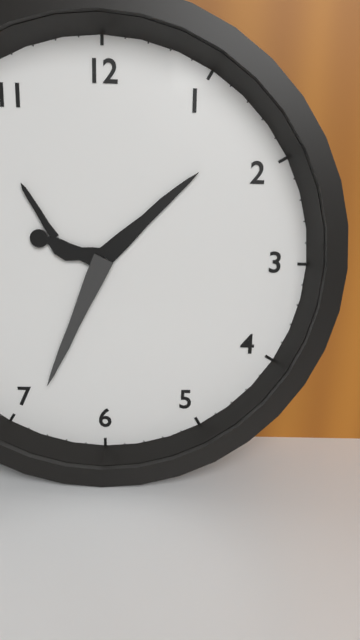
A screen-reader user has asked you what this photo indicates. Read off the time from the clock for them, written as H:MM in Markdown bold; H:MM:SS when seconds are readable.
**1:34**
